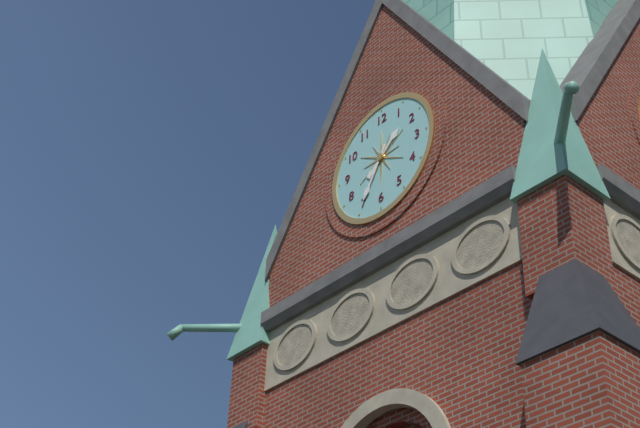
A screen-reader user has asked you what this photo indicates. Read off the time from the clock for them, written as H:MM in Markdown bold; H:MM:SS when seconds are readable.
**1:35**
